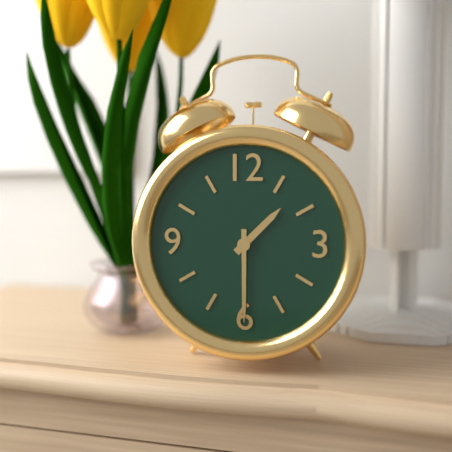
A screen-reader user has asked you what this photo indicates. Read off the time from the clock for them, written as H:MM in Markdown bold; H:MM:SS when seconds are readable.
**1:30**
